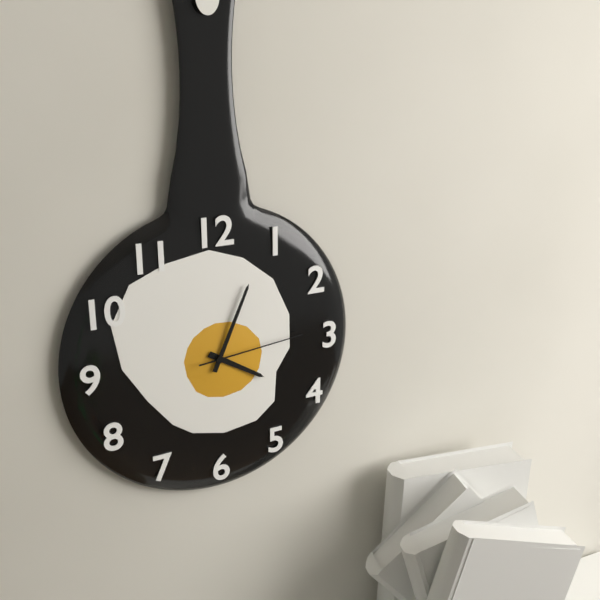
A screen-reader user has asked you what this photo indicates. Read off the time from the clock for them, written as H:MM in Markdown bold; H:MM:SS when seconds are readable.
**4:04:14**
